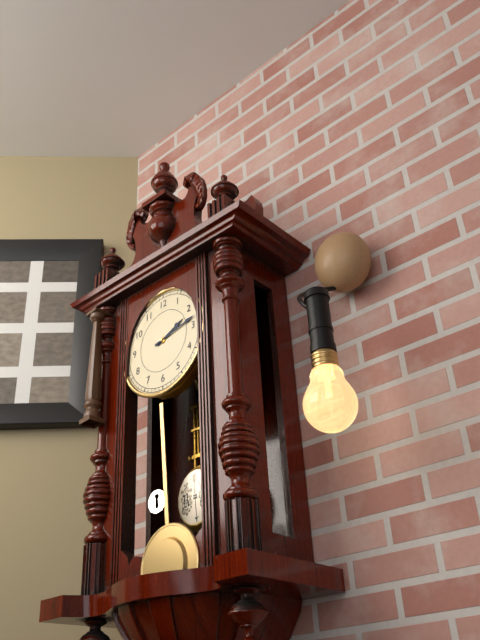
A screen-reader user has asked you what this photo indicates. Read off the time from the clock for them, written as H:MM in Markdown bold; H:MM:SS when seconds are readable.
**2:13**
